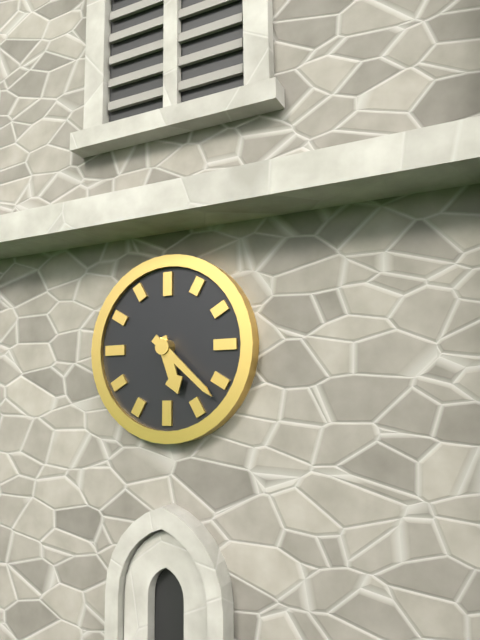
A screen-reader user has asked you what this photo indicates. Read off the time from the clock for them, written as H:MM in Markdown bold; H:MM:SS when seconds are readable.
**5:22**
